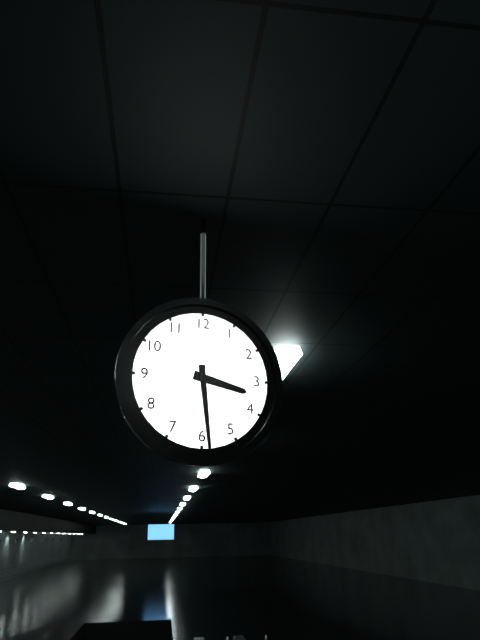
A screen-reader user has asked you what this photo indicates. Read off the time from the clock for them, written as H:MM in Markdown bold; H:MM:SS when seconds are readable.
**3:29**
